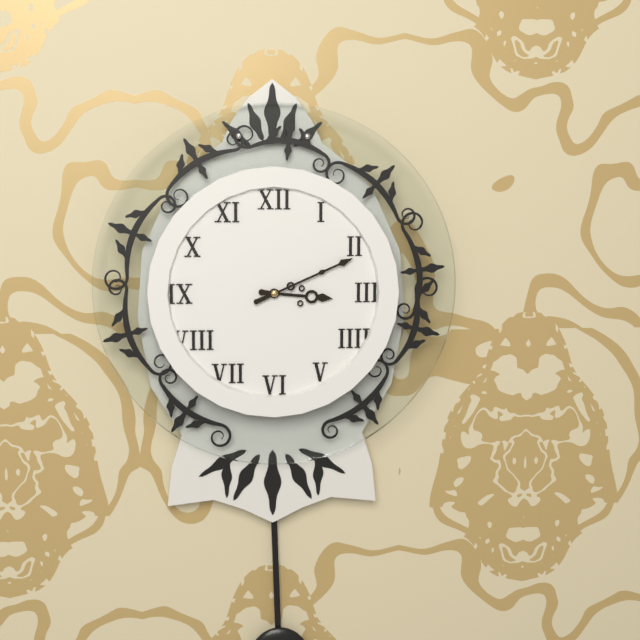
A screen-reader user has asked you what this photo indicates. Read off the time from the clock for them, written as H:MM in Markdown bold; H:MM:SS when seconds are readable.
**3:11**
